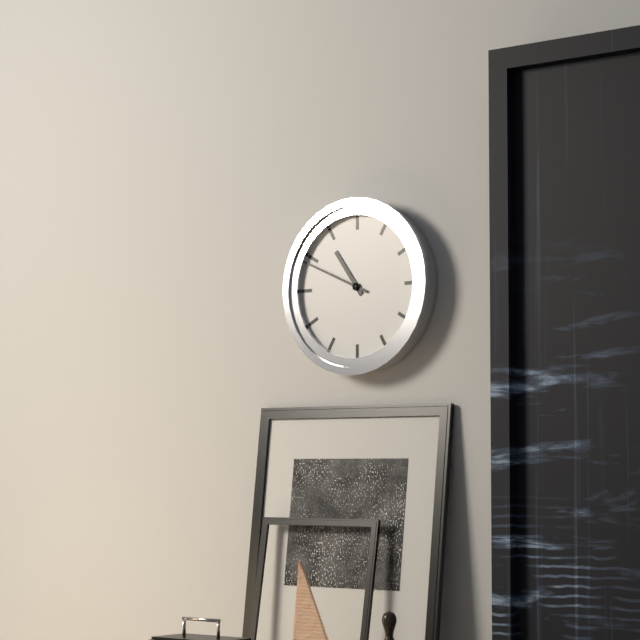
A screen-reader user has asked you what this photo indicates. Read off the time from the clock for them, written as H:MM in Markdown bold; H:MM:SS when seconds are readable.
**10:49**
